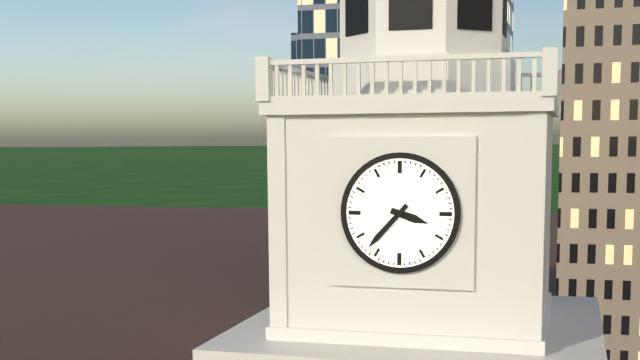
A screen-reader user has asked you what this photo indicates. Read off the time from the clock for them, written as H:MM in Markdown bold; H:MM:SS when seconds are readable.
**3:37**
